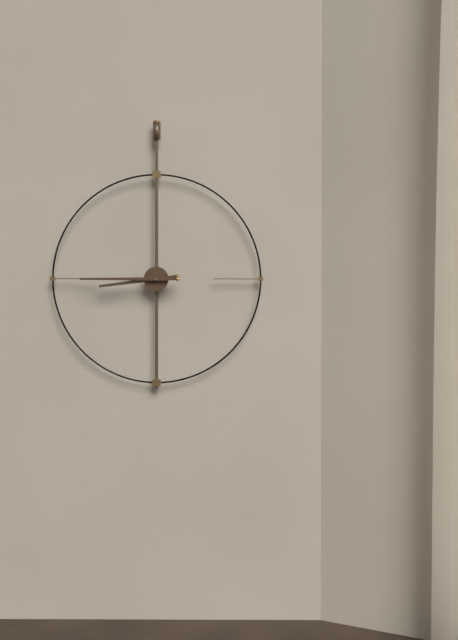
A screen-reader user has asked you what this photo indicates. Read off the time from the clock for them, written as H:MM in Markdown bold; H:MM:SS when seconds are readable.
**8:45**
